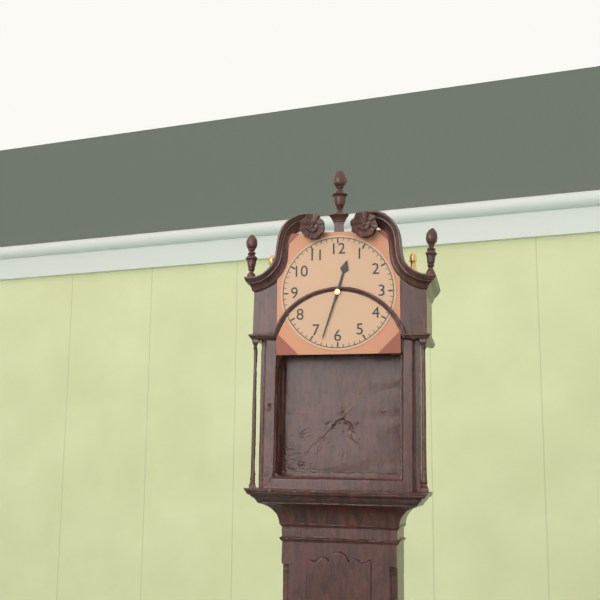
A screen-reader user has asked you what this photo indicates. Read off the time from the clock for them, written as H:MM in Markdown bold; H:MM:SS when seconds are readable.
**12:33**
